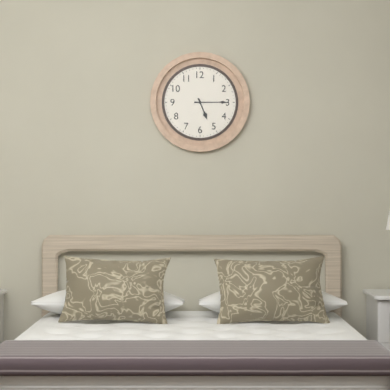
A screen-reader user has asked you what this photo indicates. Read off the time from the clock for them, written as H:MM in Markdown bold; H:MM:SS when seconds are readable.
**5:15**
